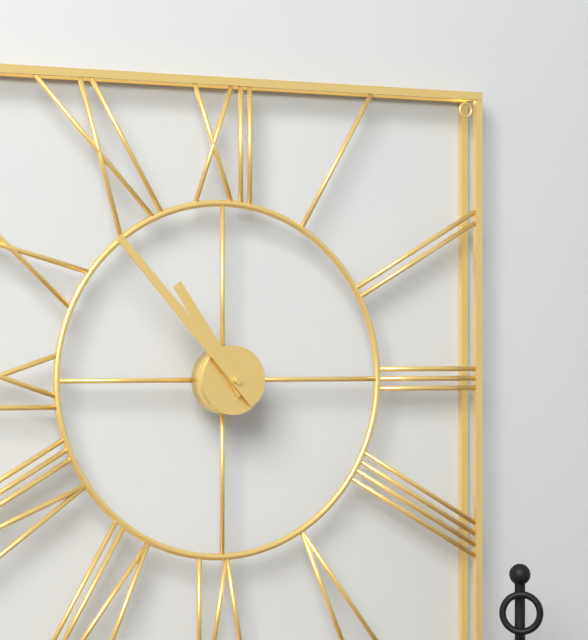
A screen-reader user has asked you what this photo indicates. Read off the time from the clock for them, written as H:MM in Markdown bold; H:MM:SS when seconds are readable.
**10:53**
